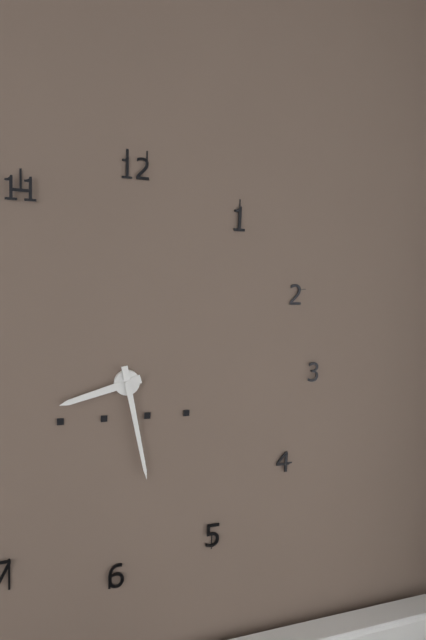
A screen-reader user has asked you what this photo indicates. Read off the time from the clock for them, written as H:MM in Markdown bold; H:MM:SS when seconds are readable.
**8:28**
